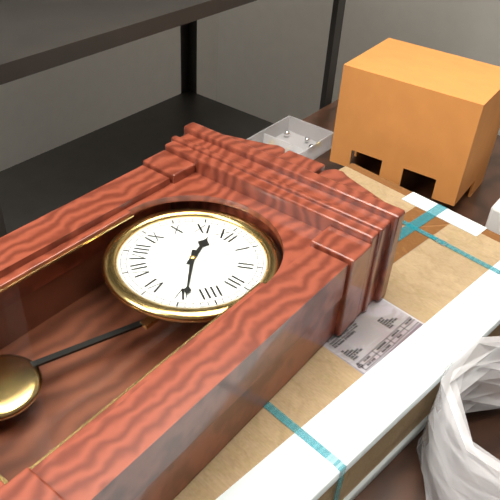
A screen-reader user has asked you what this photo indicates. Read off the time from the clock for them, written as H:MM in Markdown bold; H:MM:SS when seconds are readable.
**11:24**
